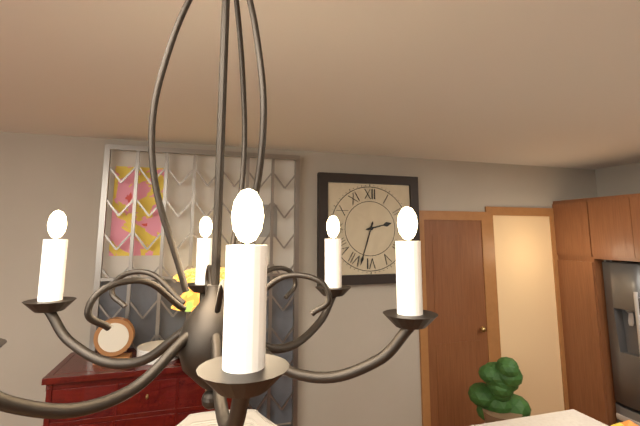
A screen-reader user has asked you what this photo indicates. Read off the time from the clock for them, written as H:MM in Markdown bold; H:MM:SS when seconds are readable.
**2:33**
